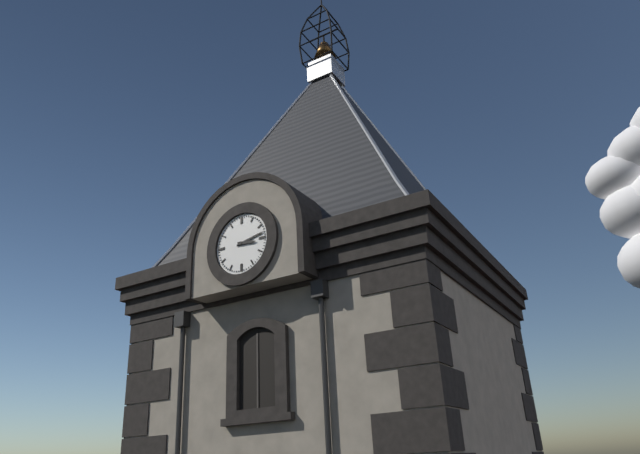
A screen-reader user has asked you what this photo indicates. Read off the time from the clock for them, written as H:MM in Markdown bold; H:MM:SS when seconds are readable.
**3:13**
